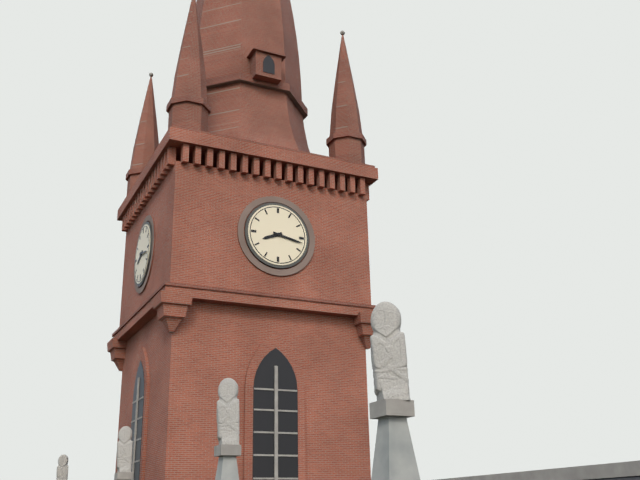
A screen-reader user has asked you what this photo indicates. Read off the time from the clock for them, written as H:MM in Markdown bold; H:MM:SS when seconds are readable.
**8:17**
